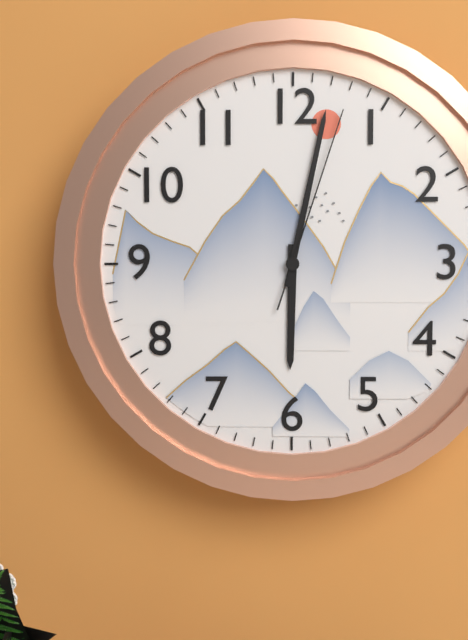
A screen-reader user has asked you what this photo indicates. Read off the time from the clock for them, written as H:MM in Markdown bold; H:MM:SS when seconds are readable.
**6:02:03**
